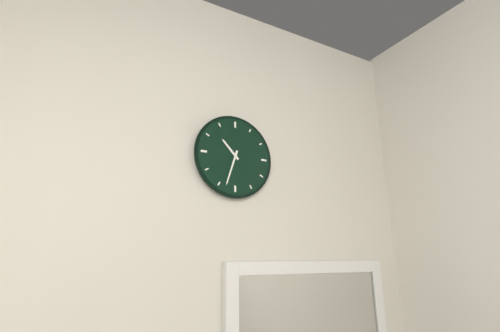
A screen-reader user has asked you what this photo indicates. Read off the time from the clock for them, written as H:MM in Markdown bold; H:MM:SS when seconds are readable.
**10:33**
